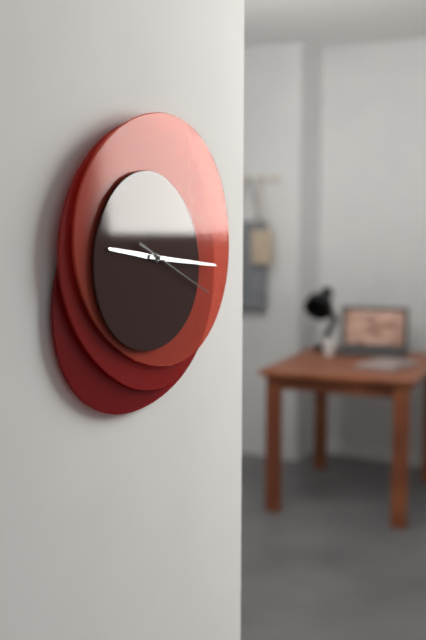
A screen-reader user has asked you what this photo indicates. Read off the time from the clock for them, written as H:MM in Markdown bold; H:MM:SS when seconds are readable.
**9:16:19**
